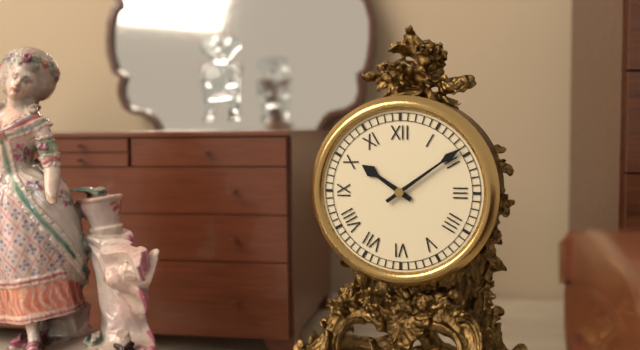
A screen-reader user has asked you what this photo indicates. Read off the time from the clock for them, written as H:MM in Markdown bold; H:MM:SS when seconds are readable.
**10:09**
